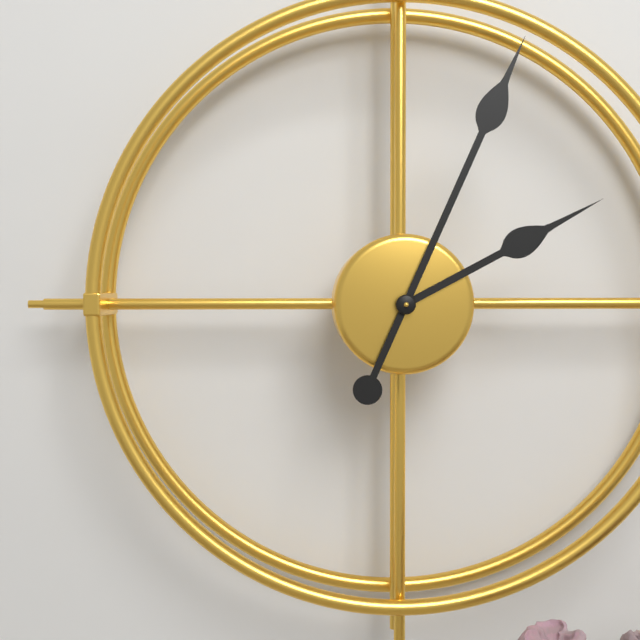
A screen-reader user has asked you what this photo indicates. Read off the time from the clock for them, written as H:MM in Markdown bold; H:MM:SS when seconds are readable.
**2:04**
